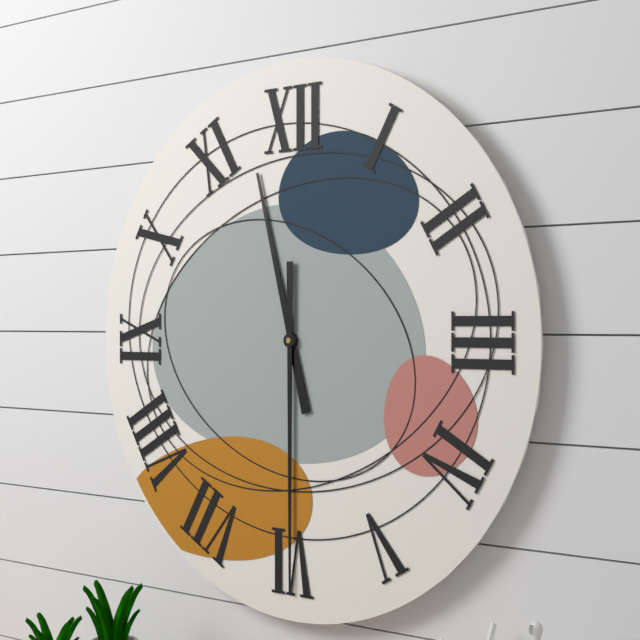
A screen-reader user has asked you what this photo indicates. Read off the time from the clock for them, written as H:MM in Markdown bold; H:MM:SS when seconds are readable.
**11:30**
